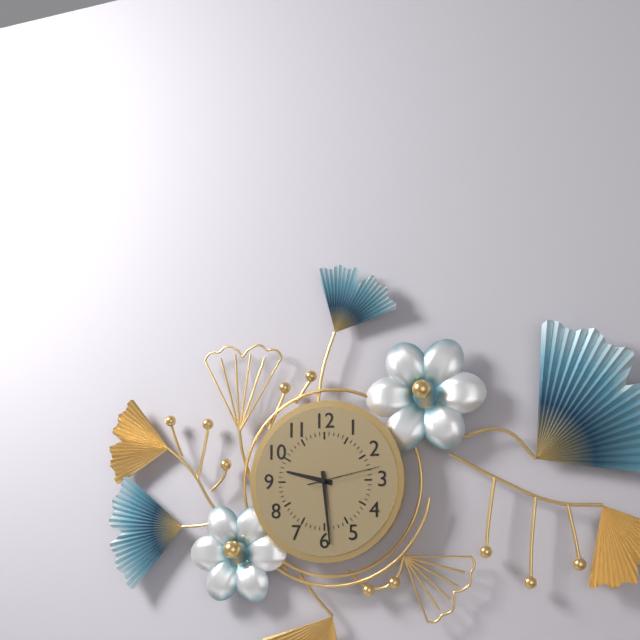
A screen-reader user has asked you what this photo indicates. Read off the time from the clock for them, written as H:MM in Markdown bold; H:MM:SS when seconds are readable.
**9:29:13**
